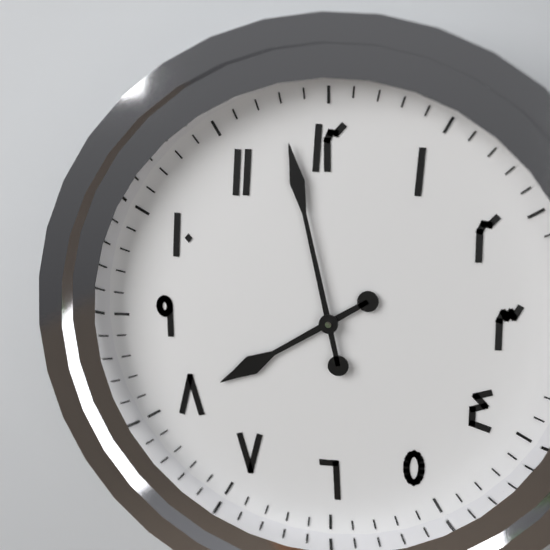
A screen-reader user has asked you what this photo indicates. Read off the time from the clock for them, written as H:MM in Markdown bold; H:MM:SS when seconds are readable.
**7:58**
